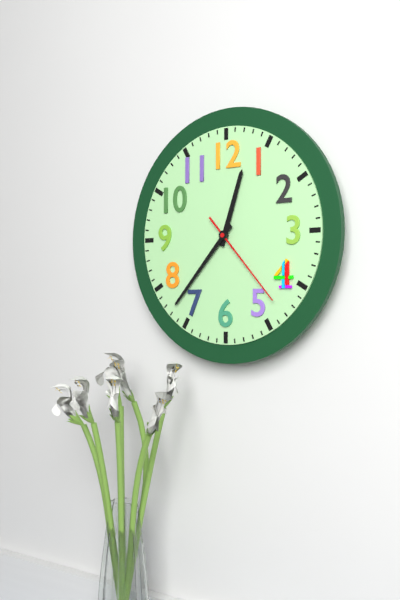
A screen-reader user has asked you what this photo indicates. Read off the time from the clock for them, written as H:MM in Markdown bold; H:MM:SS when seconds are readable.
**12:37:23**
